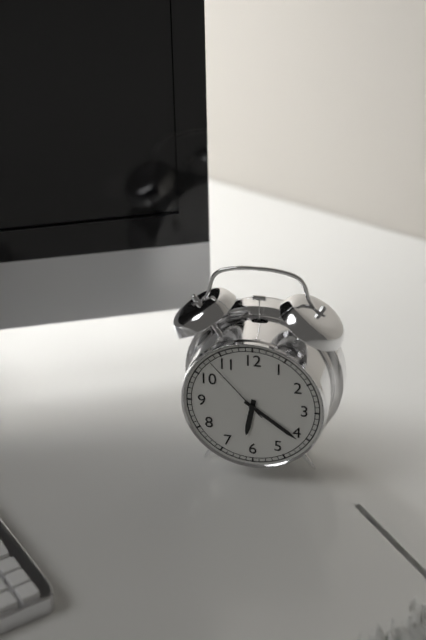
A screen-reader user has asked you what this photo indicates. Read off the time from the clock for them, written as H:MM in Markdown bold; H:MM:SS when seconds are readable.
**6:21:53**
